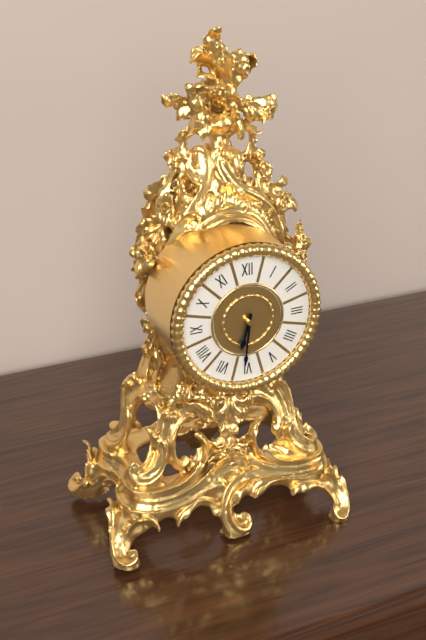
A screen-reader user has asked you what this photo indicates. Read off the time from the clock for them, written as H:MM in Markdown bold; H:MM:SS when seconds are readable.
**6:31**
